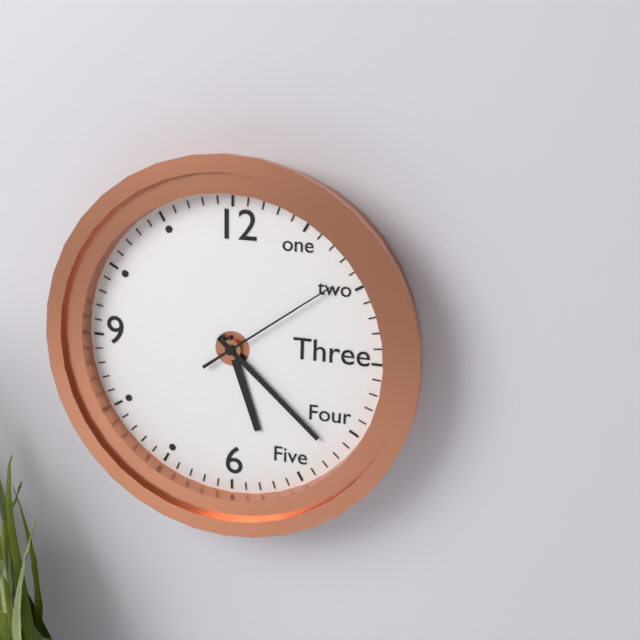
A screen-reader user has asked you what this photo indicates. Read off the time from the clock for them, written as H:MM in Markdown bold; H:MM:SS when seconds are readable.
**5:22:09**
